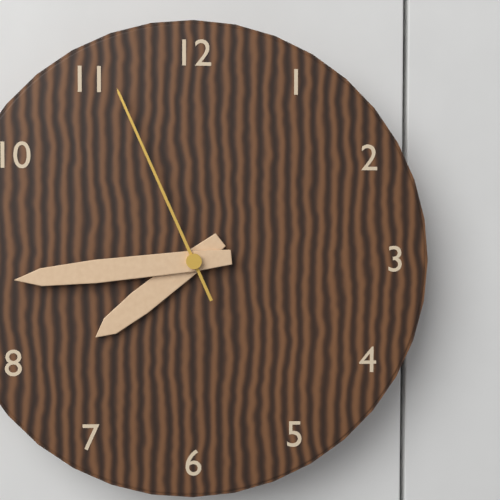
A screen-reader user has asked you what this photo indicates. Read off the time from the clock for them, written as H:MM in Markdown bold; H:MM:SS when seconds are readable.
**7:44:56**
